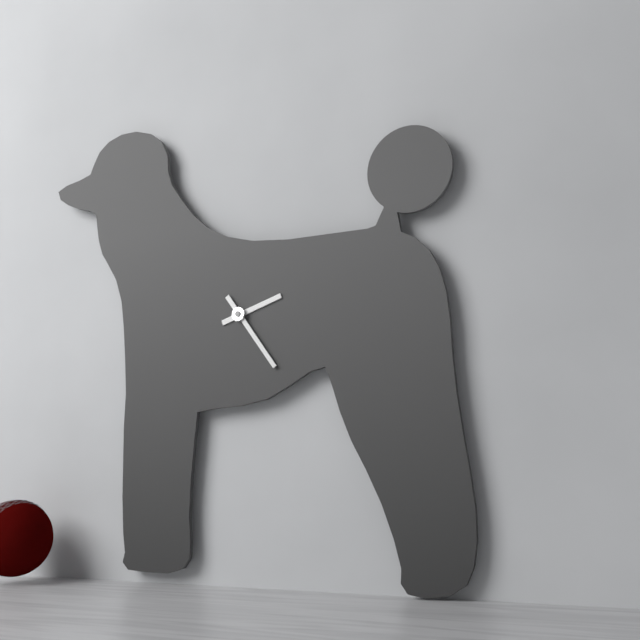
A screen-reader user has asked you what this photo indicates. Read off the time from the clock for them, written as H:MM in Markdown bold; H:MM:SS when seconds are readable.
**2:24**
